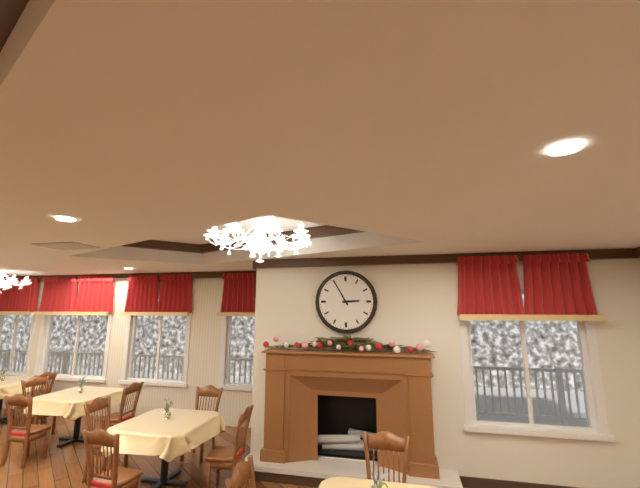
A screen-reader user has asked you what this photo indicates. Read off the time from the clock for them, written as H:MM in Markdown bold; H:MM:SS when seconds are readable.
**2:55**
